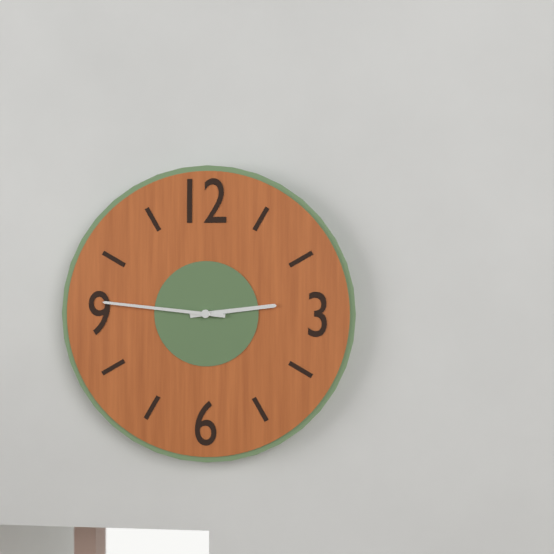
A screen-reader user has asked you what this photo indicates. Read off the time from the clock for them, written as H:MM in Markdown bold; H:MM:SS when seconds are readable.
**2:46**
